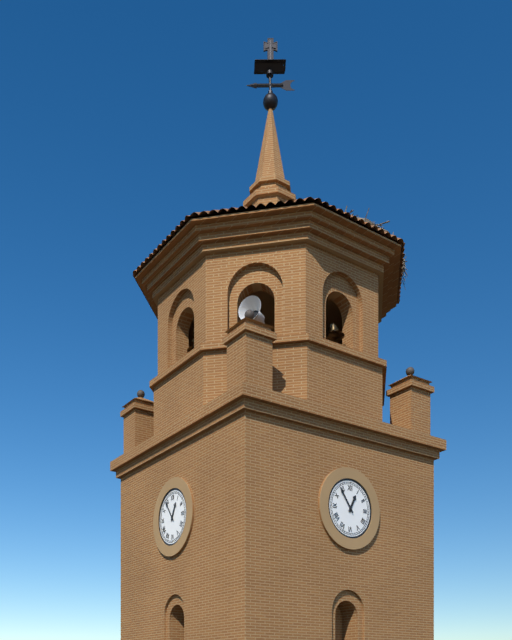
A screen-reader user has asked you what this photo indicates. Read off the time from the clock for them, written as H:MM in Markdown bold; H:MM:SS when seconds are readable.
**12:54**
